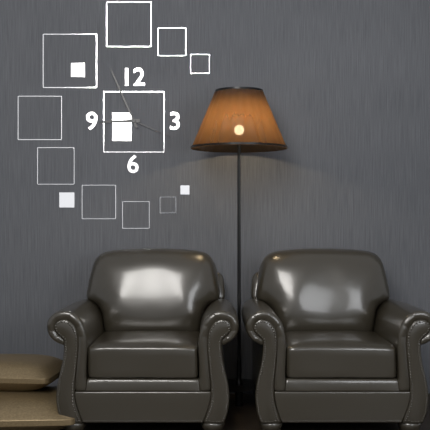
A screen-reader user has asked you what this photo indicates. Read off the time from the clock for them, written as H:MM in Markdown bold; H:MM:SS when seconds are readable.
**8:56:19**
